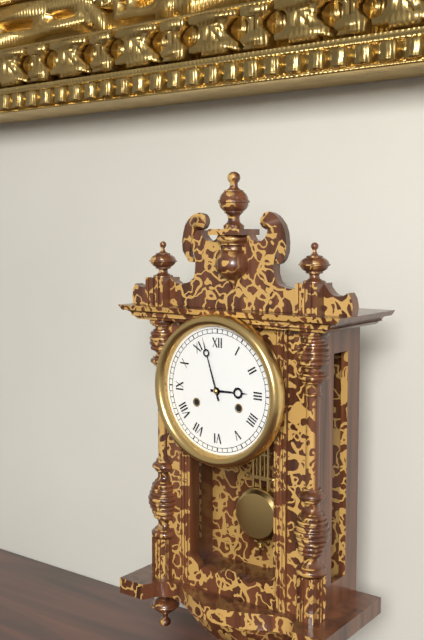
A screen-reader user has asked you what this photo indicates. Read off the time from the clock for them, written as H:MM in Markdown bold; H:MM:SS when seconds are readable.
**2:57**
